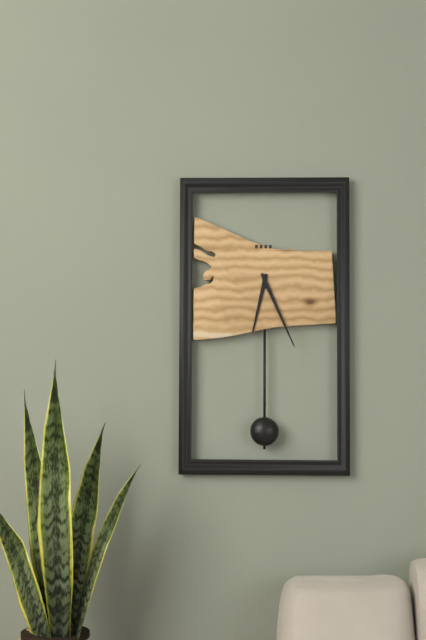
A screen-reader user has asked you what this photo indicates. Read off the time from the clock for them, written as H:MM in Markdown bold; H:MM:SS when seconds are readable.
**6:26**
